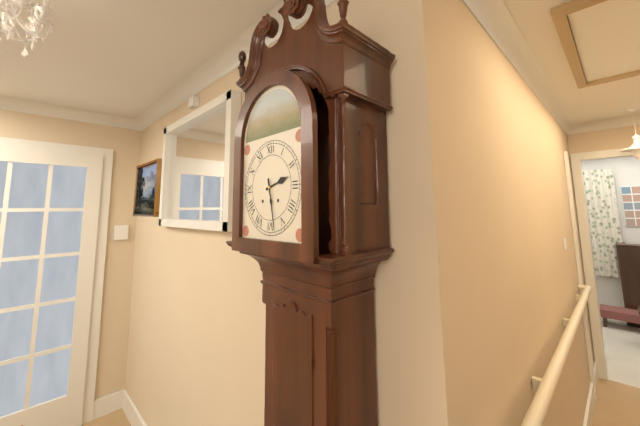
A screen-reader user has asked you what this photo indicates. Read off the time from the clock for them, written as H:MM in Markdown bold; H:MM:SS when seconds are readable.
**2:28**
